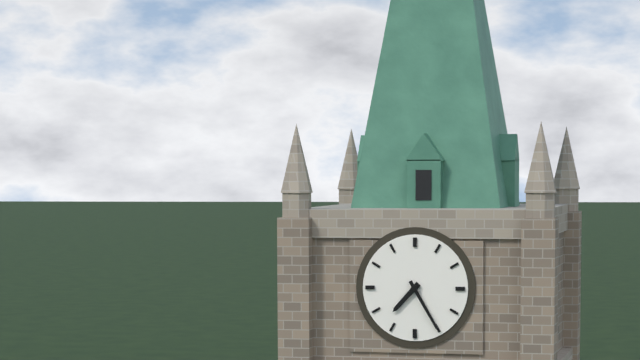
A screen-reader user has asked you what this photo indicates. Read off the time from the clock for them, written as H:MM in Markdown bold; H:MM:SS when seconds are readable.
**7:25**
